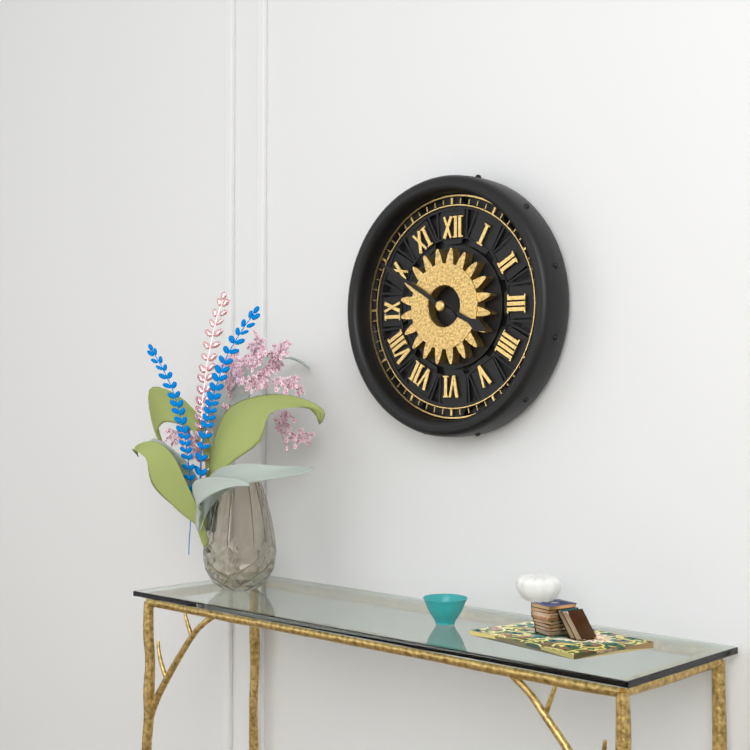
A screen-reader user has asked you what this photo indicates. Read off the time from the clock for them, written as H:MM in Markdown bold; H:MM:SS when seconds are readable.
**3:50**
